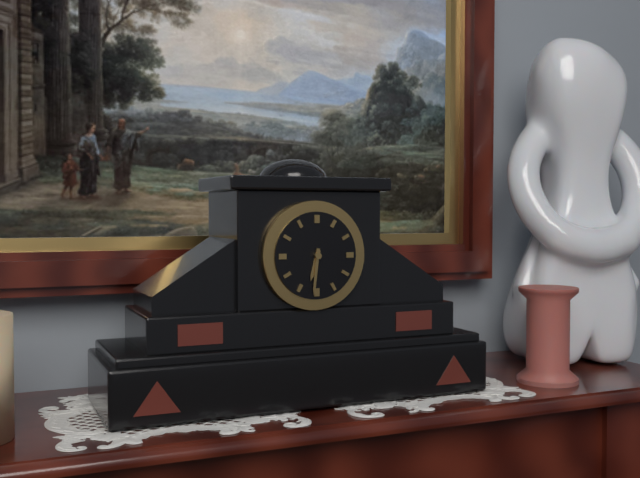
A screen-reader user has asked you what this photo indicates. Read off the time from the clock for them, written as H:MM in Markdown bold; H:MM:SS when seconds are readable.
**6:31**
